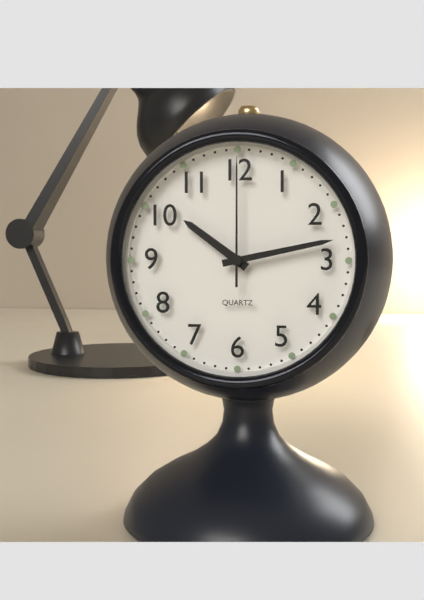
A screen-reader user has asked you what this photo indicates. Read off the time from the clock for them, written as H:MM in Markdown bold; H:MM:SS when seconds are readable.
**10:13:00**
